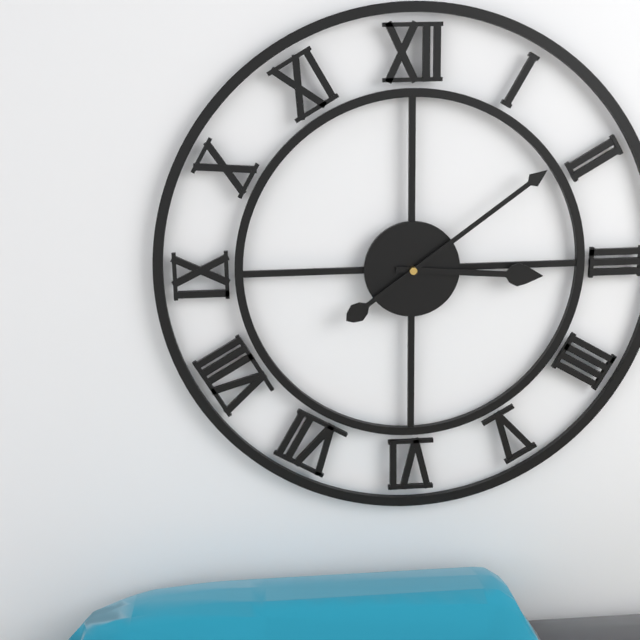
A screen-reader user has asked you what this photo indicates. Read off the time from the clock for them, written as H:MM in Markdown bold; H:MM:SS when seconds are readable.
**3:09**
